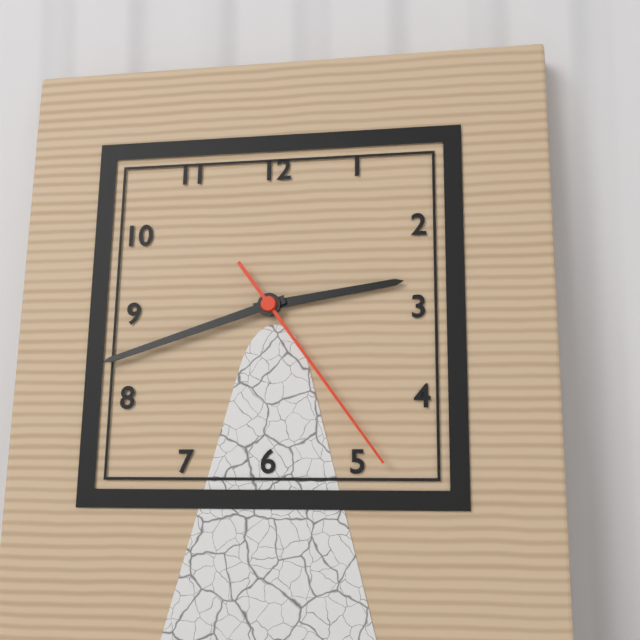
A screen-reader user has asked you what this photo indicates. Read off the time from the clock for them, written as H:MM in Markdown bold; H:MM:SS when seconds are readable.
**2:42:24**
